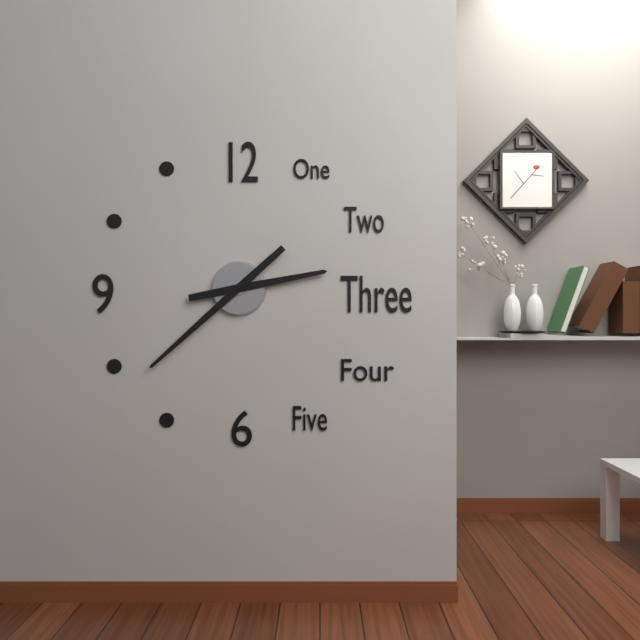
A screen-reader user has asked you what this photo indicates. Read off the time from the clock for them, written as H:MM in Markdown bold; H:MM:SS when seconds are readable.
**2:38**
